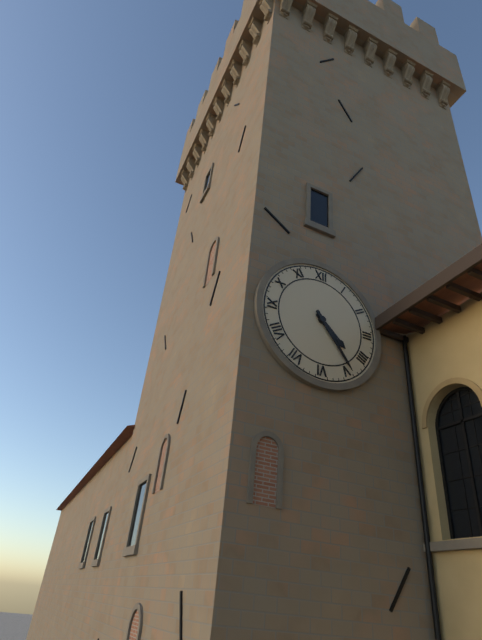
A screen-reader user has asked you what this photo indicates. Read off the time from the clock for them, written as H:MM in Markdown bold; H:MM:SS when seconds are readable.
**4:24**
